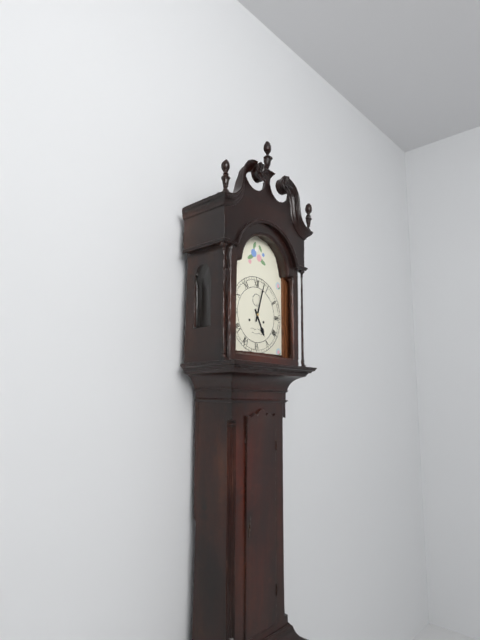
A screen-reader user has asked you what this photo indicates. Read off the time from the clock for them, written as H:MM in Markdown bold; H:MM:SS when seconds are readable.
**5:03**
